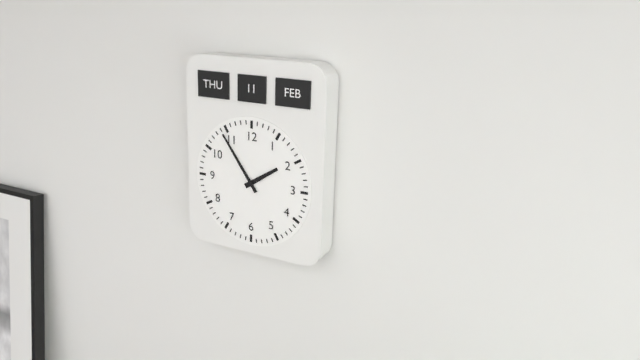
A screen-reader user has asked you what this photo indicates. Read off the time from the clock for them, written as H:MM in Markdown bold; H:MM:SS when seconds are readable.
**1:54**
